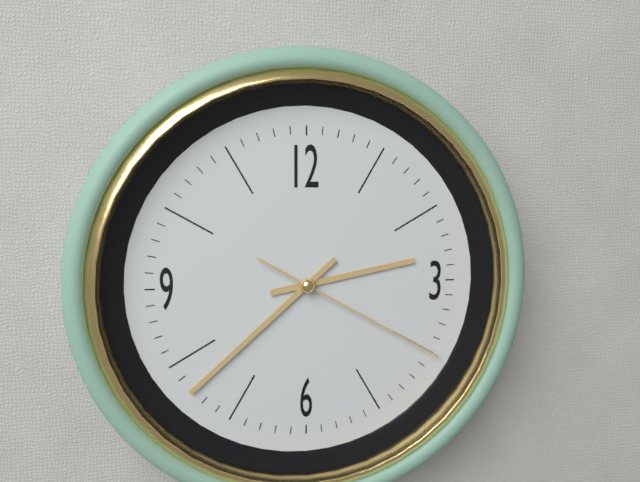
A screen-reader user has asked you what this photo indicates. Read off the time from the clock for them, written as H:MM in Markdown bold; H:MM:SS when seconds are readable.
**2:38:20**
